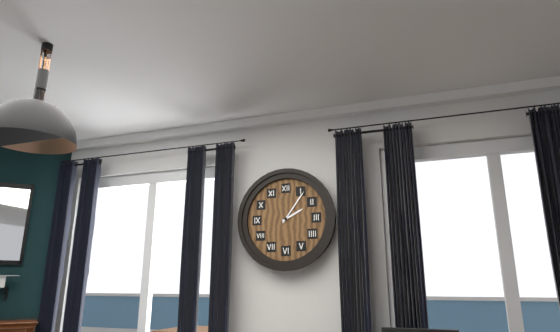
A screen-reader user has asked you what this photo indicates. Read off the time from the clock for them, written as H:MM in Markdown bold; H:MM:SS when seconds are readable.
**2:06**
